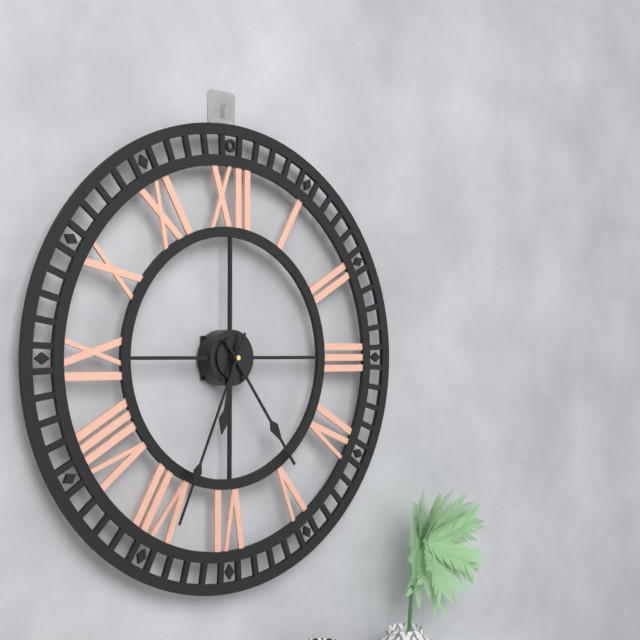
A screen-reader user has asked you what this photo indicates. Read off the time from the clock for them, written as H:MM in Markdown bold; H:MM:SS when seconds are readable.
**6:24:34**
